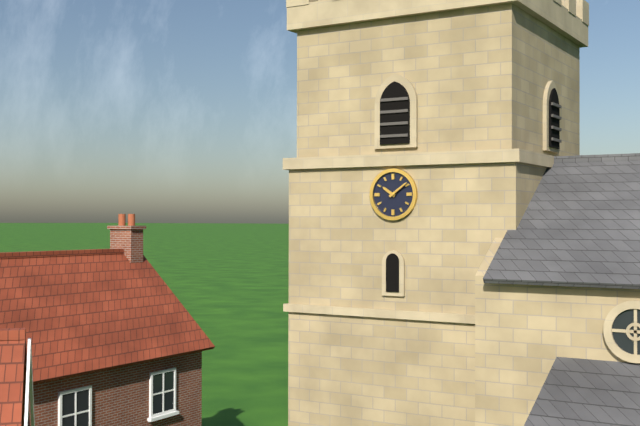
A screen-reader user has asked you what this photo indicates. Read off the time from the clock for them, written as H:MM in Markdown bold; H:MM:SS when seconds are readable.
**10:09**
